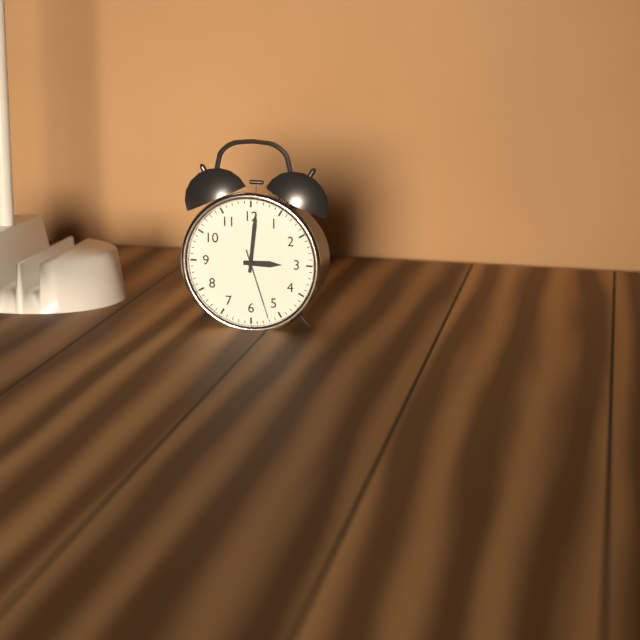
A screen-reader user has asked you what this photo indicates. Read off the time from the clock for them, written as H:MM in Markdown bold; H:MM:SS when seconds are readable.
**3:01:27**
